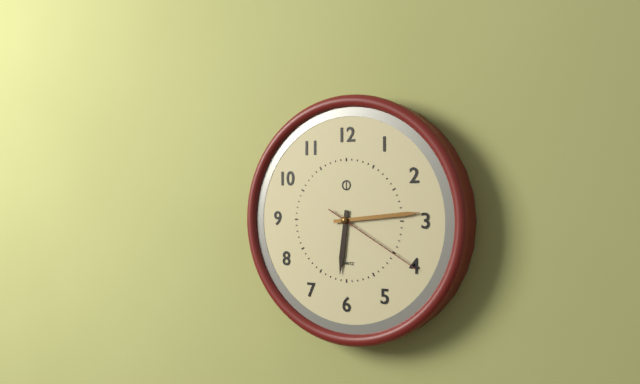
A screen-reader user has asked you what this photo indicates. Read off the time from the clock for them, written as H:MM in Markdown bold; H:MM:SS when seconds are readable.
**6:14:20**
